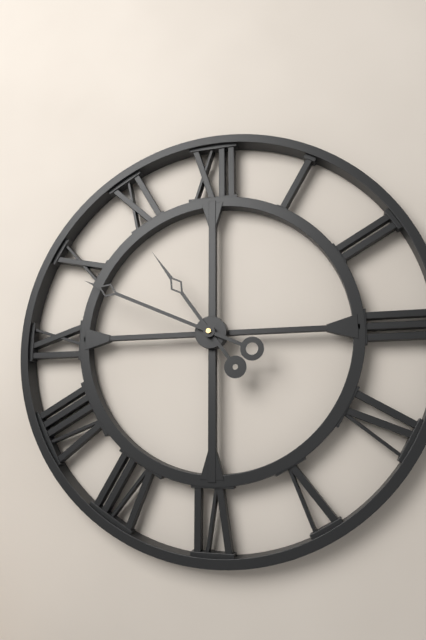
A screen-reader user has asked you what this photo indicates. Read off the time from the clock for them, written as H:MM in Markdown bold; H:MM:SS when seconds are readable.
**10:49**
